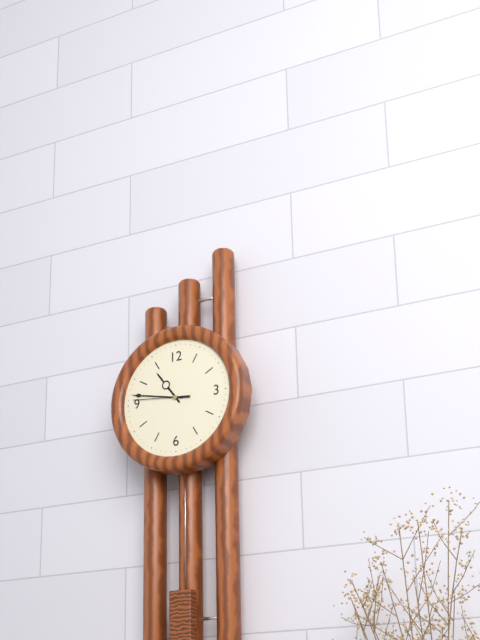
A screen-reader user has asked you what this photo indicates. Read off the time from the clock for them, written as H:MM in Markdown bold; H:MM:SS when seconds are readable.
**10:47:46**
